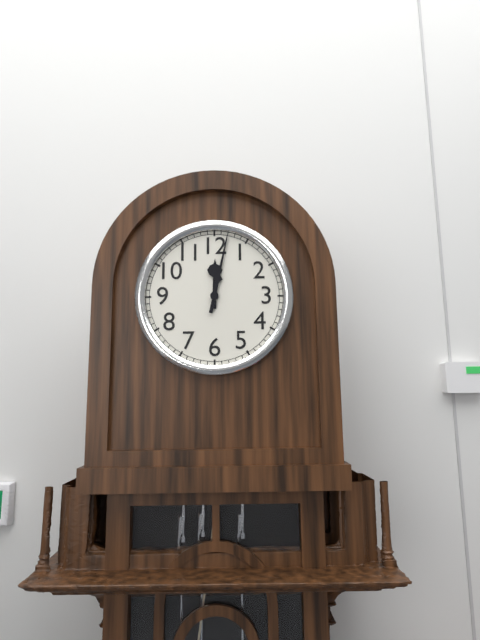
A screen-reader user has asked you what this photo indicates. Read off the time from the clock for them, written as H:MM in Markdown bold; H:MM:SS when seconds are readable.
**12:02**
